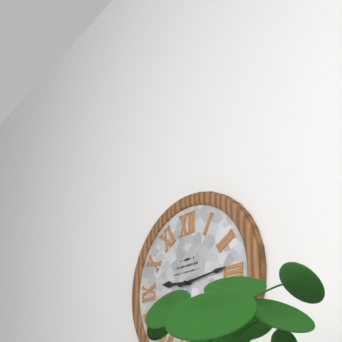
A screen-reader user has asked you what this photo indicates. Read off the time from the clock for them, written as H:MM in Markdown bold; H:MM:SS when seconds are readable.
**9:14**
